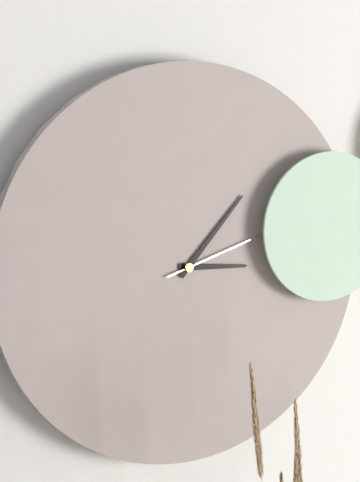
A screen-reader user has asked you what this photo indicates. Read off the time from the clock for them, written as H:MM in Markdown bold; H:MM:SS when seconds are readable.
**3:07:12**
